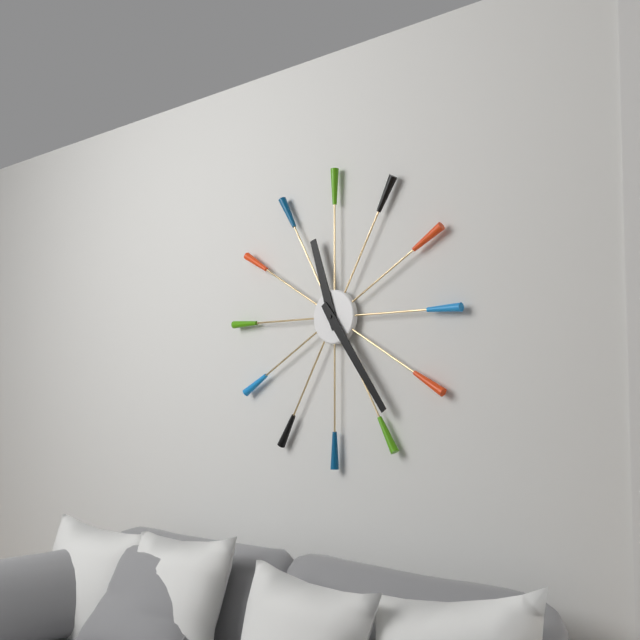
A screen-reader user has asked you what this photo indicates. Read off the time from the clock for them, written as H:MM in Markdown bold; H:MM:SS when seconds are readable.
**11:24**
